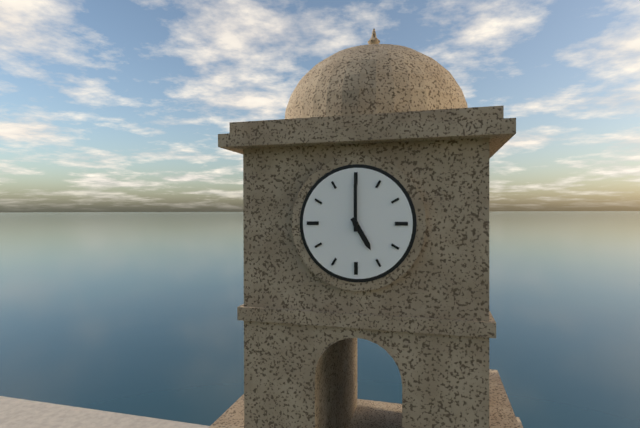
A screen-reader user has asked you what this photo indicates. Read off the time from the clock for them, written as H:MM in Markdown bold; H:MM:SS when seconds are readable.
**5:00**
